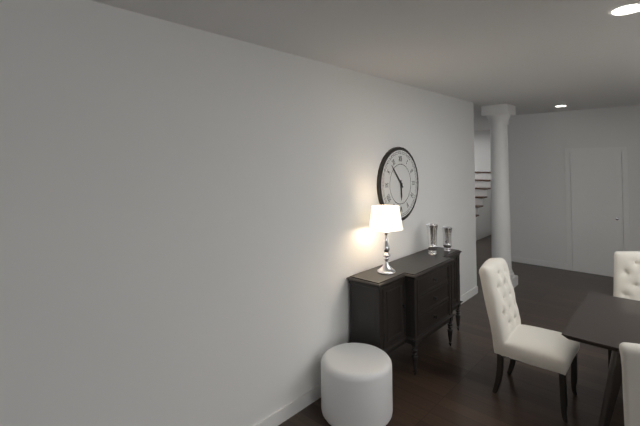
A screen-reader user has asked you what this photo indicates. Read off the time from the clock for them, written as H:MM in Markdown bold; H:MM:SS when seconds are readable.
**5:53**
